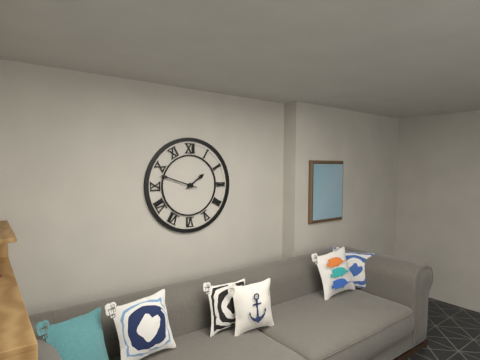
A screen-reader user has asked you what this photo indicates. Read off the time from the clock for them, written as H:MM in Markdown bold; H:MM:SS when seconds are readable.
**1:48**
